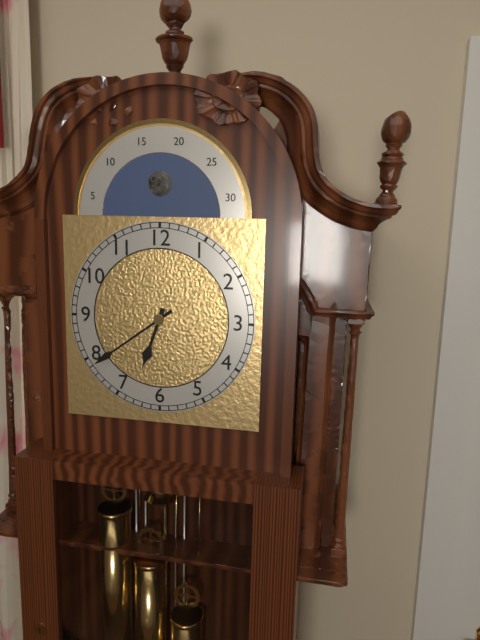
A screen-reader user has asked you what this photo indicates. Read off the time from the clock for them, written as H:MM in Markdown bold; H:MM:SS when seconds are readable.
**6:39**
